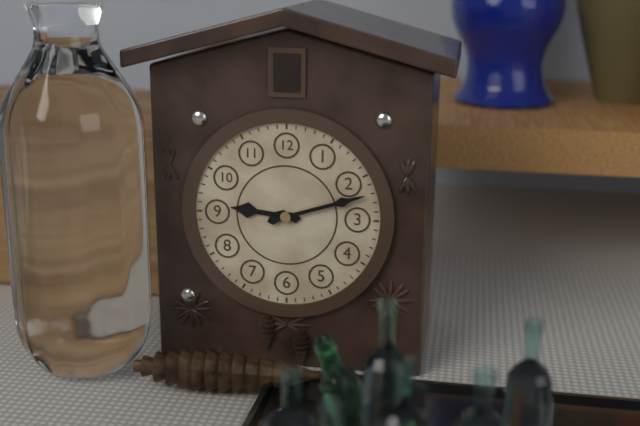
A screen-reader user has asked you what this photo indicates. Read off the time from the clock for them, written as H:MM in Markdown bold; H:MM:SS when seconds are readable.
**9:12**
